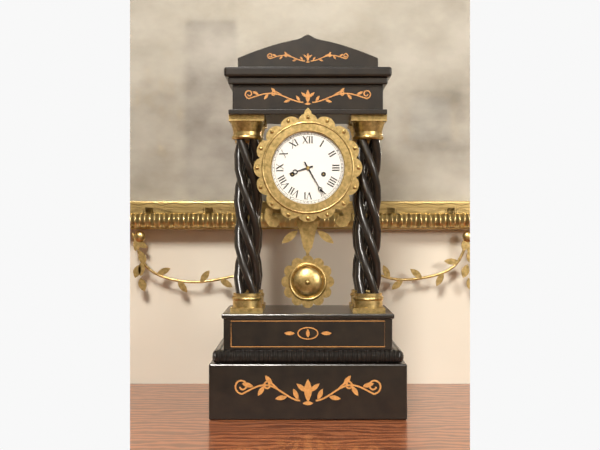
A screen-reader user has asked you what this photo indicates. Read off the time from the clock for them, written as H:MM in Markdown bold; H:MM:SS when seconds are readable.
**8:25**
